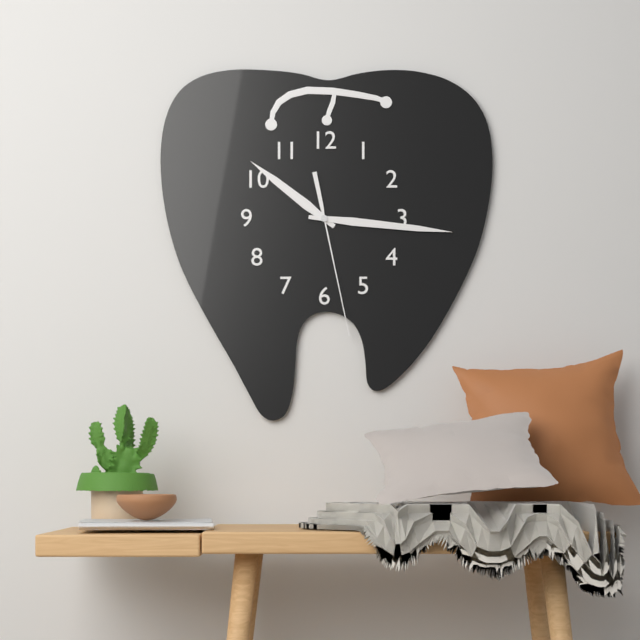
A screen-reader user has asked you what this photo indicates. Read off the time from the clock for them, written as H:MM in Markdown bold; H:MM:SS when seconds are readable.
**10:16:28**
